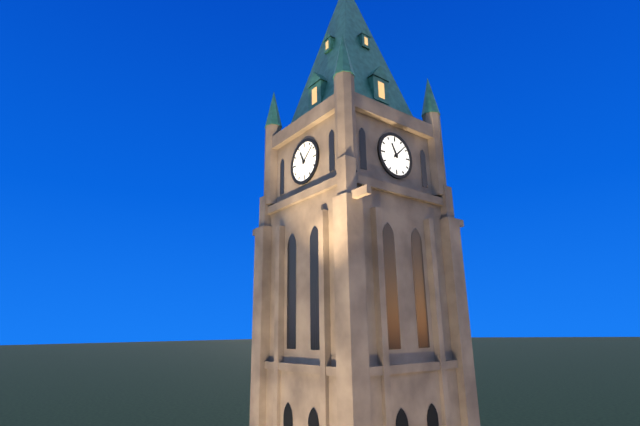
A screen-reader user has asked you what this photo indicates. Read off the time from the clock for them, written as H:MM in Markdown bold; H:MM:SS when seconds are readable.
**11:08**
